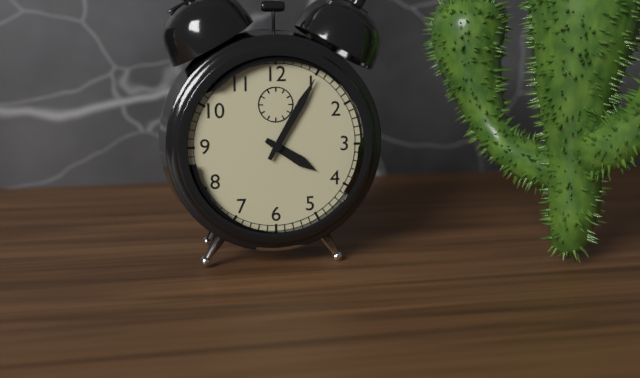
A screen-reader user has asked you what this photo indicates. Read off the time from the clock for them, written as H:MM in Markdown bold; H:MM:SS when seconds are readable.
**4:05**
